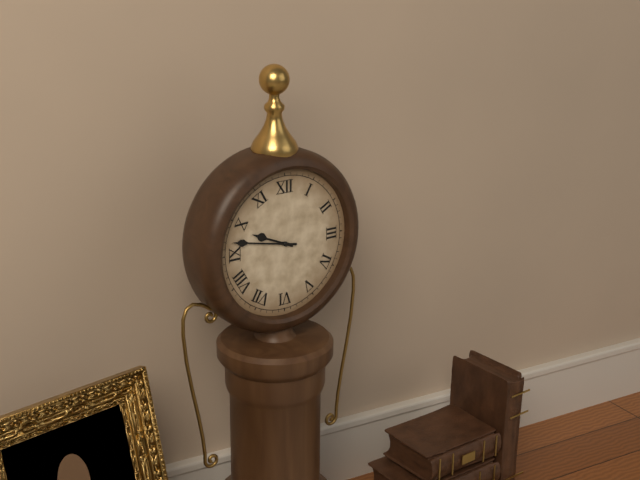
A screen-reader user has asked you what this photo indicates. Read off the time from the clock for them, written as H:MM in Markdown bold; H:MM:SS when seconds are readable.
**9:47**
